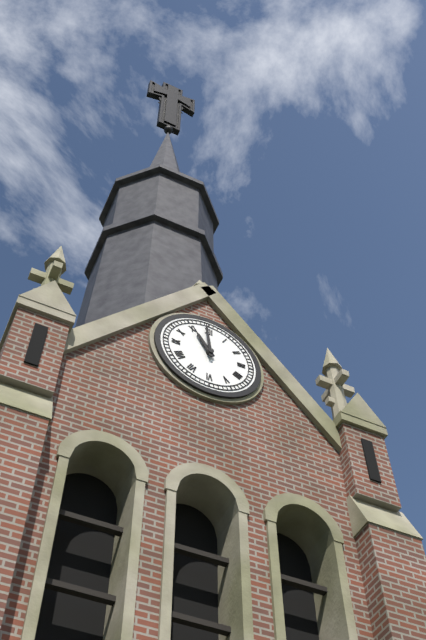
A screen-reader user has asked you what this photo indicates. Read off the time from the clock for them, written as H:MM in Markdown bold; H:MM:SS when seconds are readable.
**10:59**
